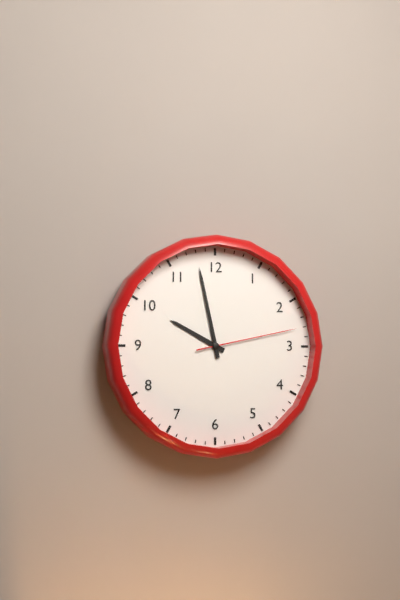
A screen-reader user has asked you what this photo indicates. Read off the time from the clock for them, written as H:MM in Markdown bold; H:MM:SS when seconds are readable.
**9:58:13**
